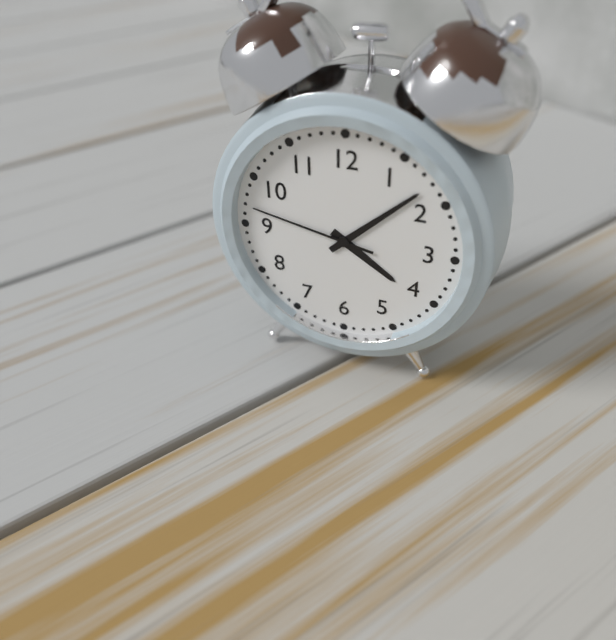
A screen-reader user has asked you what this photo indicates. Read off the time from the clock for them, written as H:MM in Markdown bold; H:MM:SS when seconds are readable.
**4:08:47**
